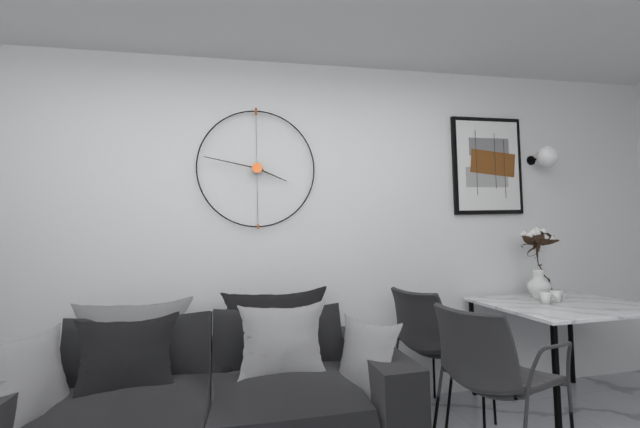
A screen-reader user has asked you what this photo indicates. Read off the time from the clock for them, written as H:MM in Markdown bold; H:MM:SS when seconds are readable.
**3:47**
